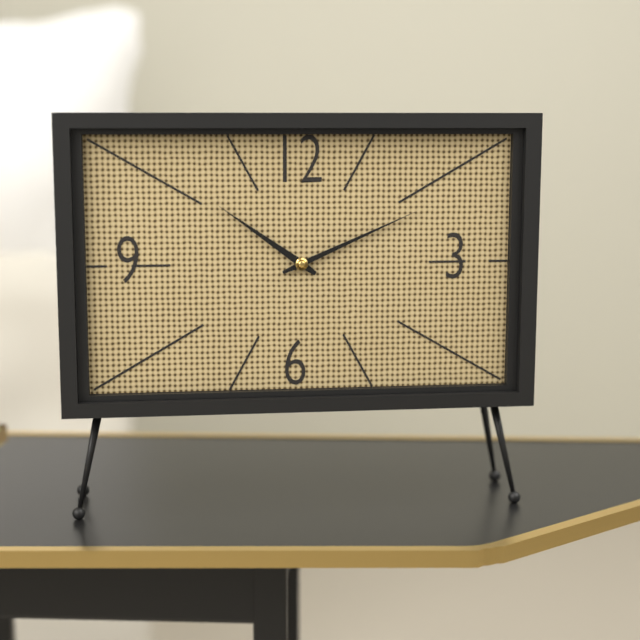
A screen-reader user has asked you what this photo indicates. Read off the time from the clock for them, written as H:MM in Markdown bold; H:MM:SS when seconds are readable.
**10:11**
